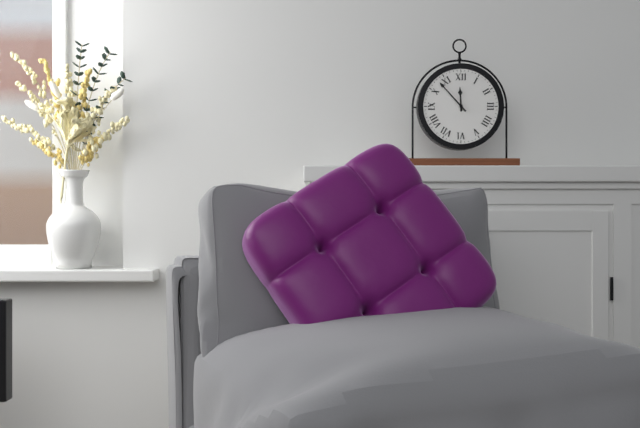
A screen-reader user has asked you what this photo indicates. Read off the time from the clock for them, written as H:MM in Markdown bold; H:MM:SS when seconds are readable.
**11:53**
